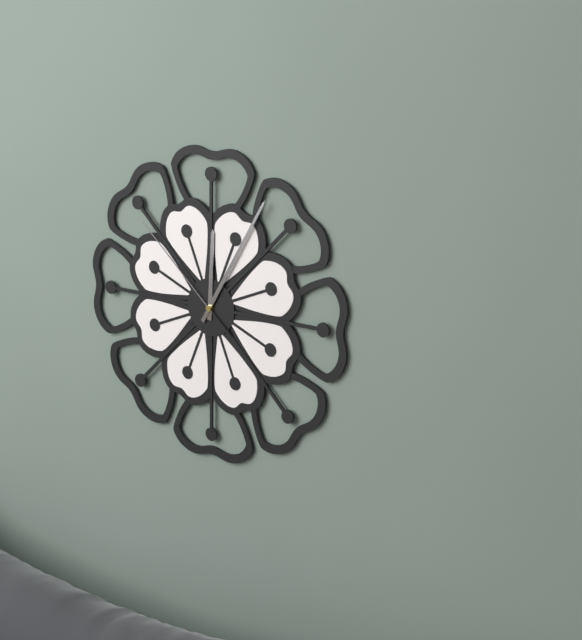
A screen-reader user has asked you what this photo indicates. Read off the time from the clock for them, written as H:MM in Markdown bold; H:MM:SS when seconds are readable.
**12:05:52**
